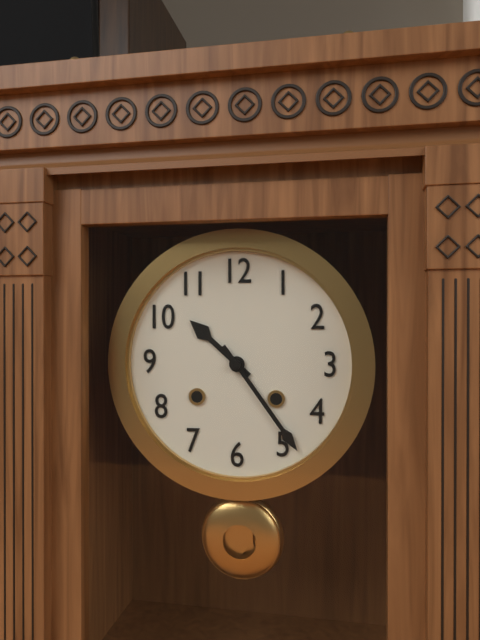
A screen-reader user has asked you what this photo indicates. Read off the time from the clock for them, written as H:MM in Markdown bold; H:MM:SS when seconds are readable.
**10:24**
